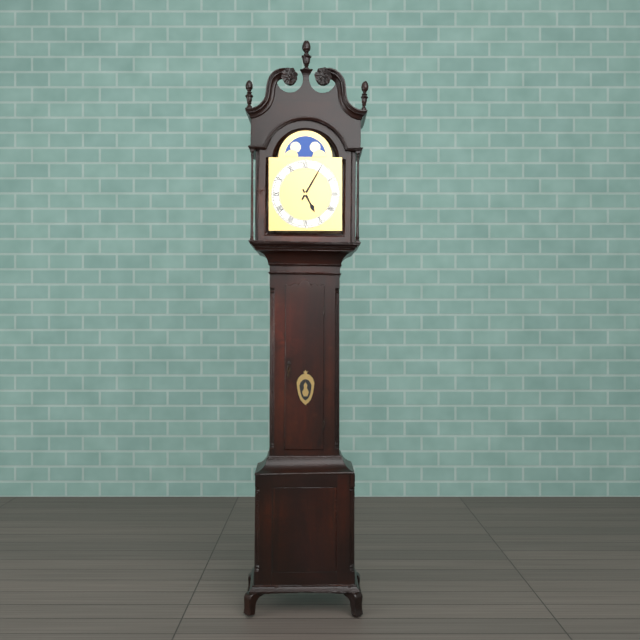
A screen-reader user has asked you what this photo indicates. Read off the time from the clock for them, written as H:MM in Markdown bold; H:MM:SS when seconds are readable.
**5:05**
